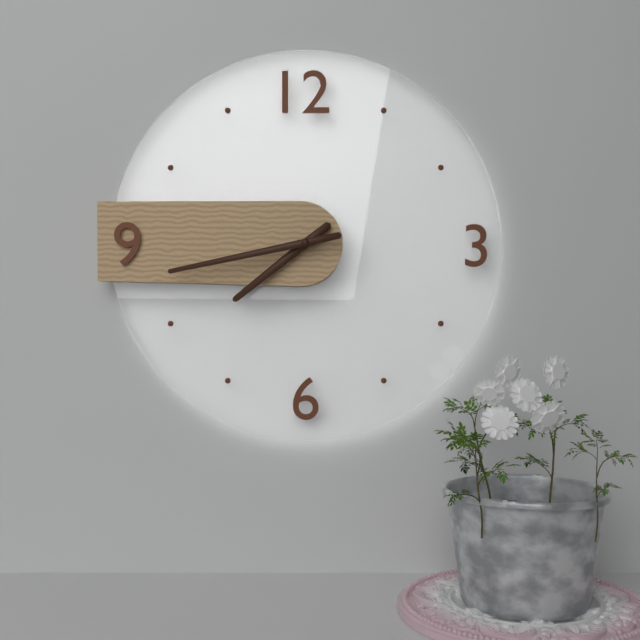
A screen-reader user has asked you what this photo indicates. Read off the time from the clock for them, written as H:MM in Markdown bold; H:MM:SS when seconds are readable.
**7:43**
